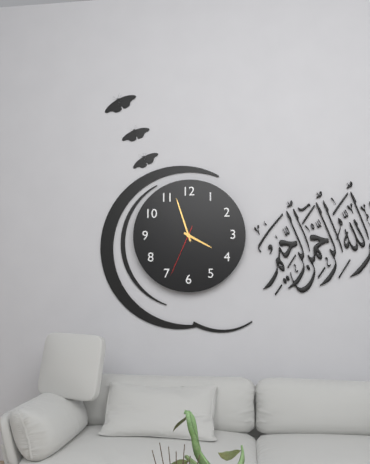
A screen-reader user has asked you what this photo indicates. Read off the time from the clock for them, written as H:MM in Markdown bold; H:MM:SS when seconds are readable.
**3:57:34**
